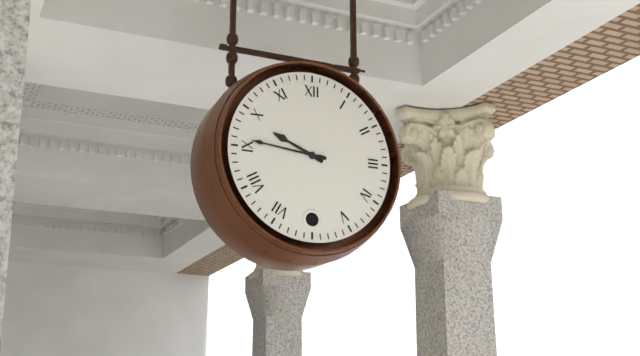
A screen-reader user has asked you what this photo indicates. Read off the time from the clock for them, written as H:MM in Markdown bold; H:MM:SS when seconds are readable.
**9:46**
